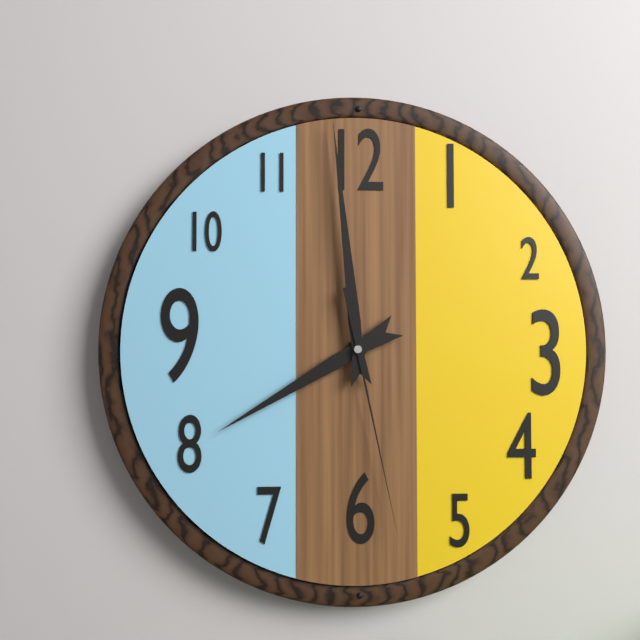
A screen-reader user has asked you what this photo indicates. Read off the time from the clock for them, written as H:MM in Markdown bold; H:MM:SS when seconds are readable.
**7:59:28**
